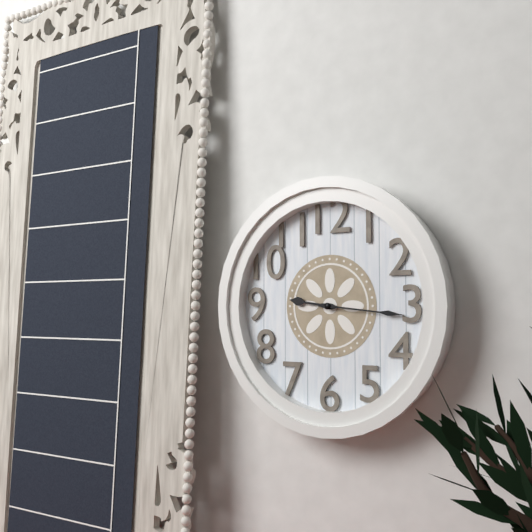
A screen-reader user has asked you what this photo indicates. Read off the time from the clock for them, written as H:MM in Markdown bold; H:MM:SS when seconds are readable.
**9:16**
